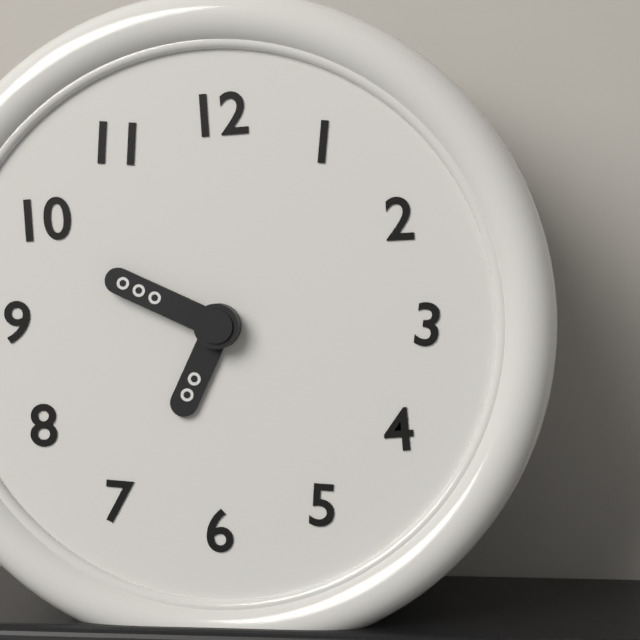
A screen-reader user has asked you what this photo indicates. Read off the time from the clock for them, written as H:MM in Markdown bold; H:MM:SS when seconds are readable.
**6:49**
